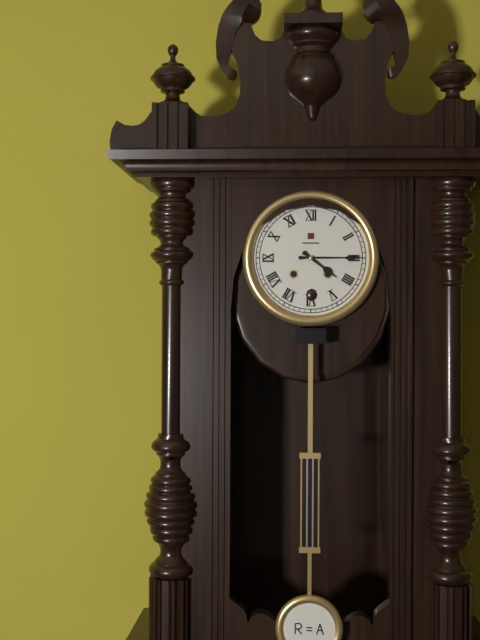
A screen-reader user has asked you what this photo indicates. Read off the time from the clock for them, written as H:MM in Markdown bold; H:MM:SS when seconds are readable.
**4:15**
